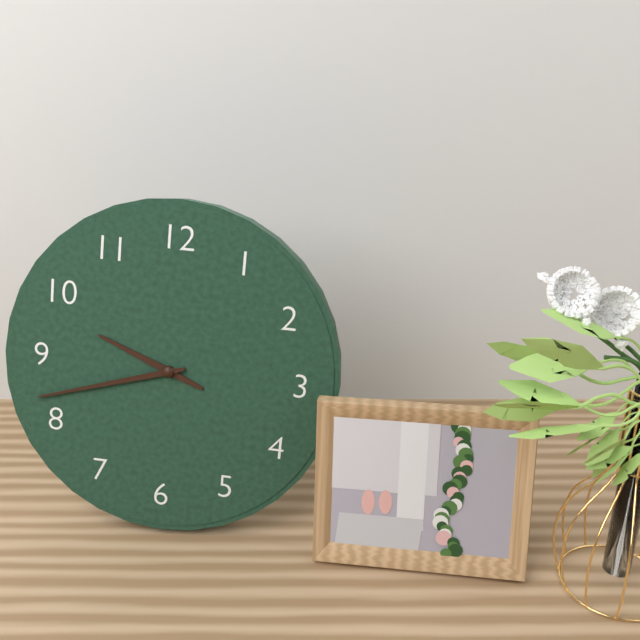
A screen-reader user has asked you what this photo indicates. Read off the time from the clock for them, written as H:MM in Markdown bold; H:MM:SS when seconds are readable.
**9:42**
